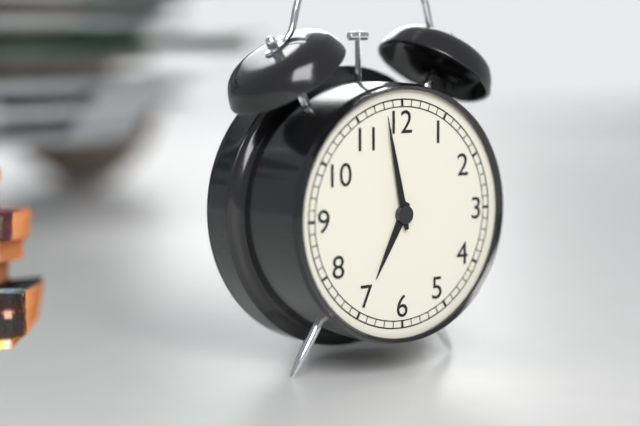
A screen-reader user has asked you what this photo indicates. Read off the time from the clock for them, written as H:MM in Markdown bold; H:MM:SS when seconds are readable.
**6:58**
